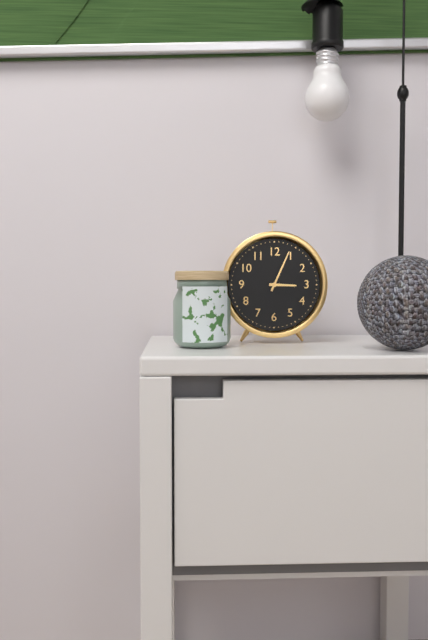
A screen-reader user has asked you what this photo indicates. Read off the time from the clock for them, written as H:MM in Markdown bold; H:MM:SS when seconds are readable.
**3:04**
